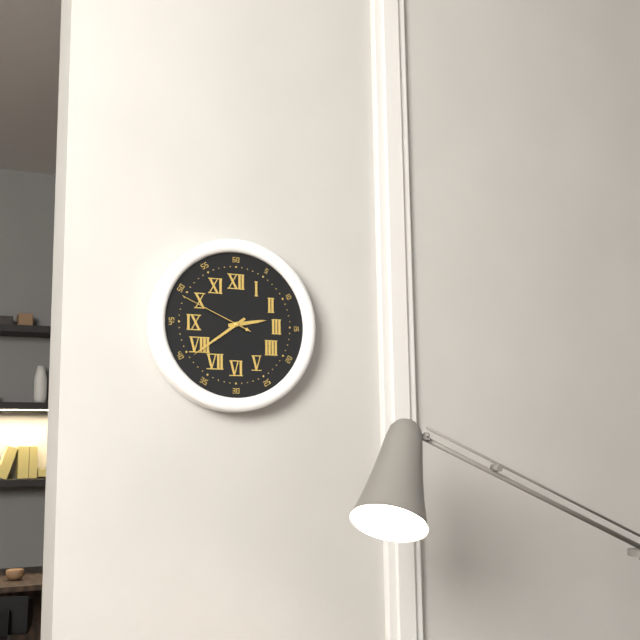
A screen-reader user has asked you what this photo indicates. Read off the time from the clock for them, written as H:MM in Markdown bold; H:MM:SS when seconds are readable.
**2:39:49**
